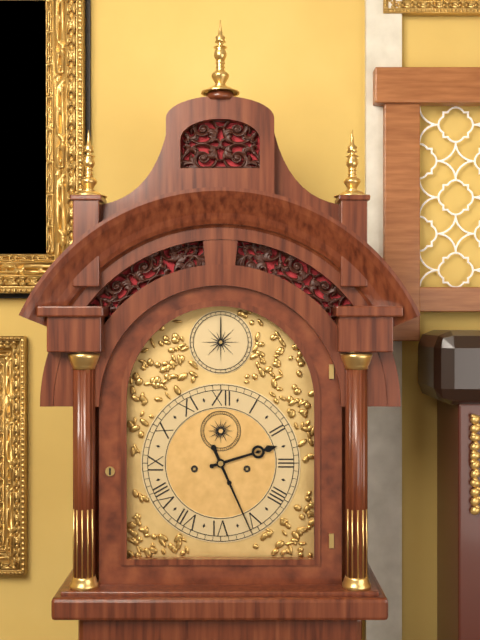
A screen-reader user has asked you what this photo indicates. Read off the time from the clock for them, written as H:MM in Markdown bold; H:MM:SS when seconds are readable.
**2:26**
